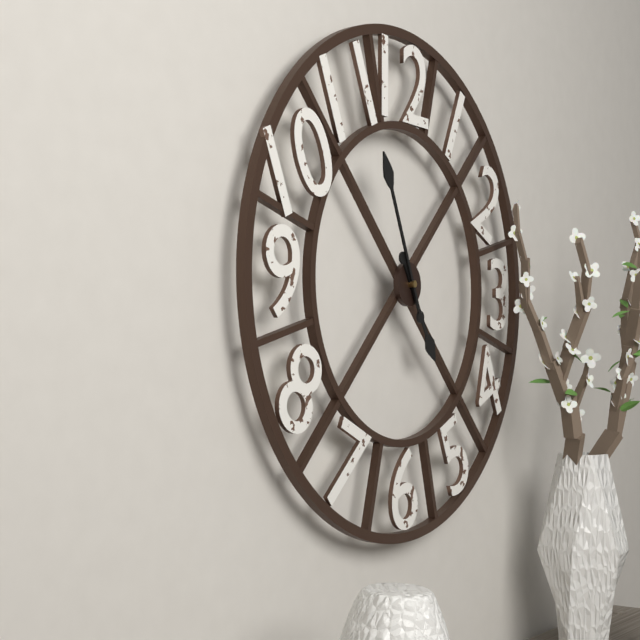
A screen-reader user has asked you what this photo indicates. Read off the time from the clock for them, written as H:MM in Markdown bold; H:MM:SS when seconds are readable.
**4:56**
